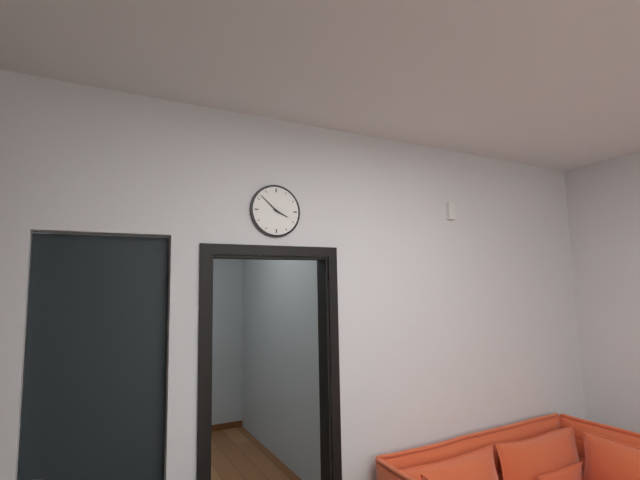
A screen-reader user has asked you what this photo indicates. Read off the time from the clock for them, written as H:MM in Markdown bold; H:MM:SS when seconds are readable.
**3:52**
